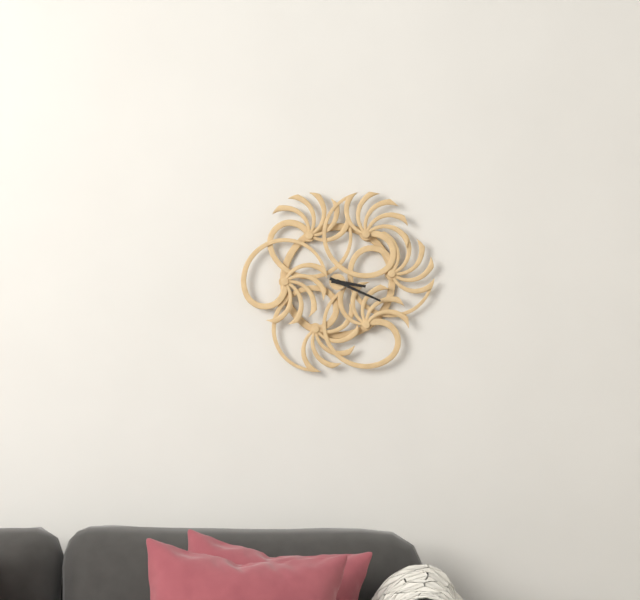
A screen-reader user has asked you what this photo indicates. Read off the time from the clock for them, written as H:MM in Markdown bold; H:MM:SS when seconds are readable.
**3:19**
